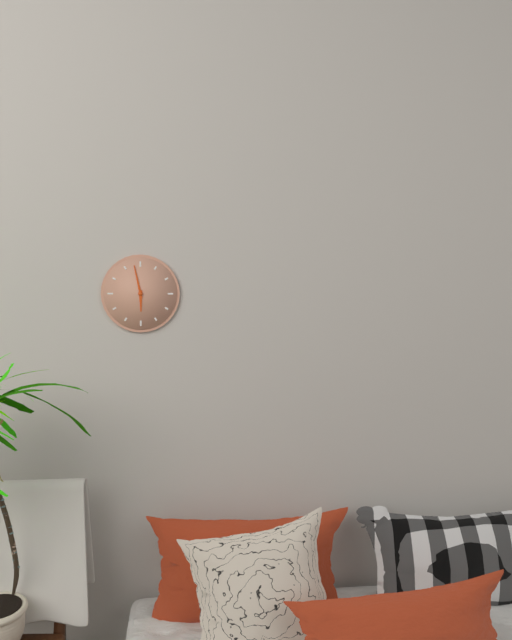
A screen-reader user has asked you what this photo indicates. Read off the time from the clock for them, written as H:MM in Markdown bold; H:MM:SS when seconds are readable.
**5:58**
